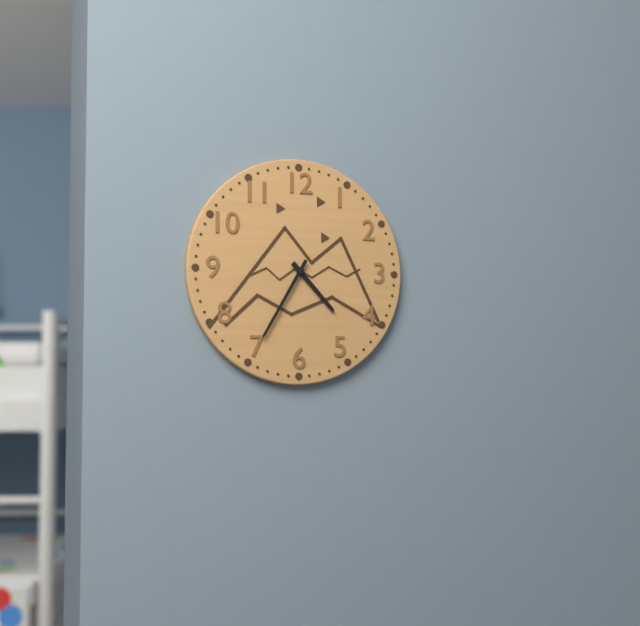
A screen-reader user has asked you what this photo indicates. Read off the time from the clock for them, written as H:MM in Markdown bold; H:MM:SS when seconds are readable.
**4:35**
